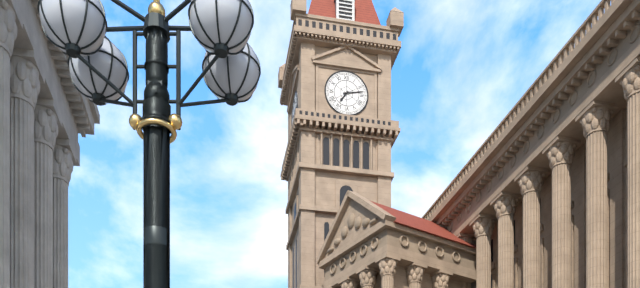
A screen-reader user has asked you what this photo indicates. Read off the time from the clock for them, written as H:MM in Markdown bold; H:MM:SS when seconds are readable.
**7:13**
